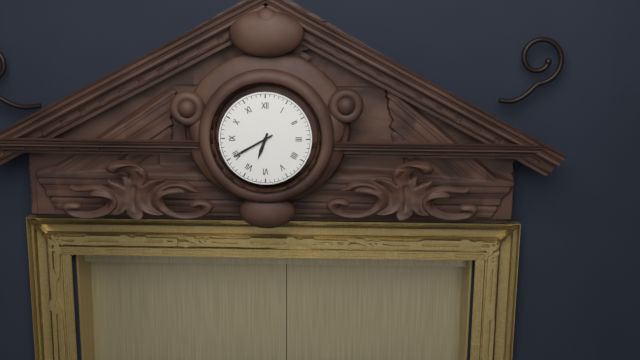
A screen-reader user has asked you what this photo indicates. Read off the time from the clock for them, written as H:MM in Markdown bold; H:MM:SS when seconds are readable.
**6:40**
